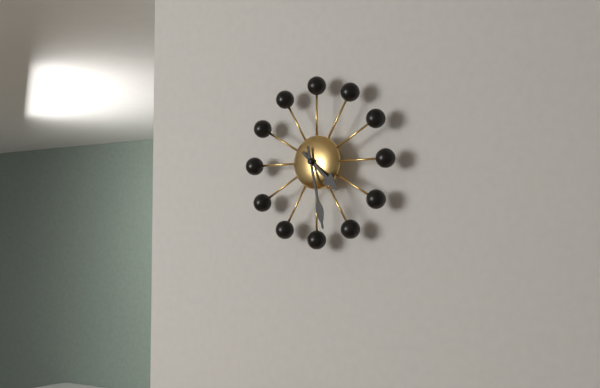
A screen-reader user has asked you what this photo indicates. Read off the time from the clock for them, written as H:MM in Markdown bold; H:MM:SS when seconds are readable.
**4:28**
